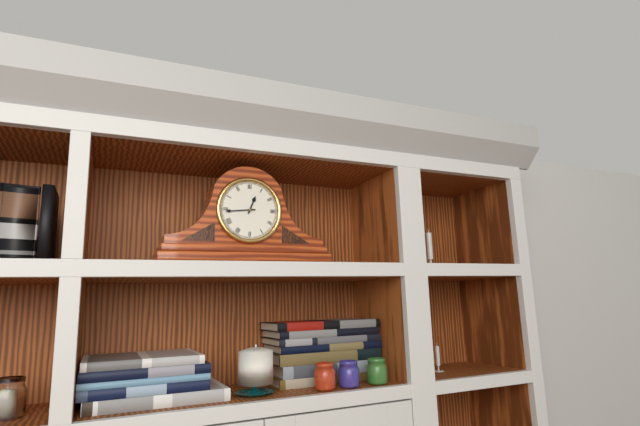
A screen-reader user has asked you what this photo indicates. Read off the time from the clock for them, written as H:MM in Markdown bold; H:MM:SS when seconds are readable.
**12:44**
